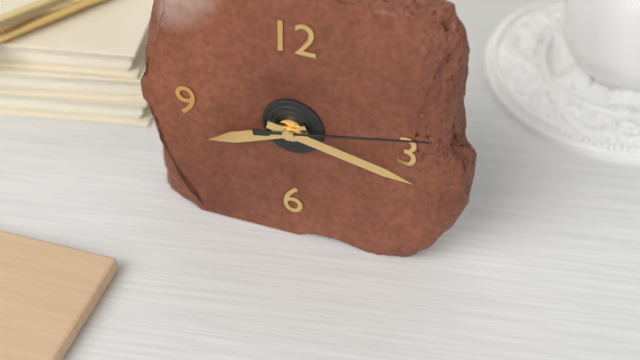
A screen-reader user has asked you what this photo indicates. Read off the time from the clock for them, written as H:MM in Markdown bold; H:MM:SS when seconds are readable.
**8:17:13**
